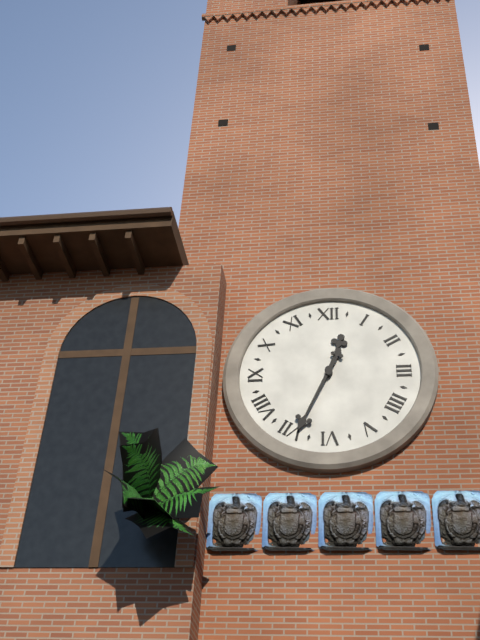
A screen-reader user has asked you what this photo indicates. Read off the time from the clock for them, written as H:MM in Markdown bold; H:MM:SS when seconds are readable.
**12:34**
